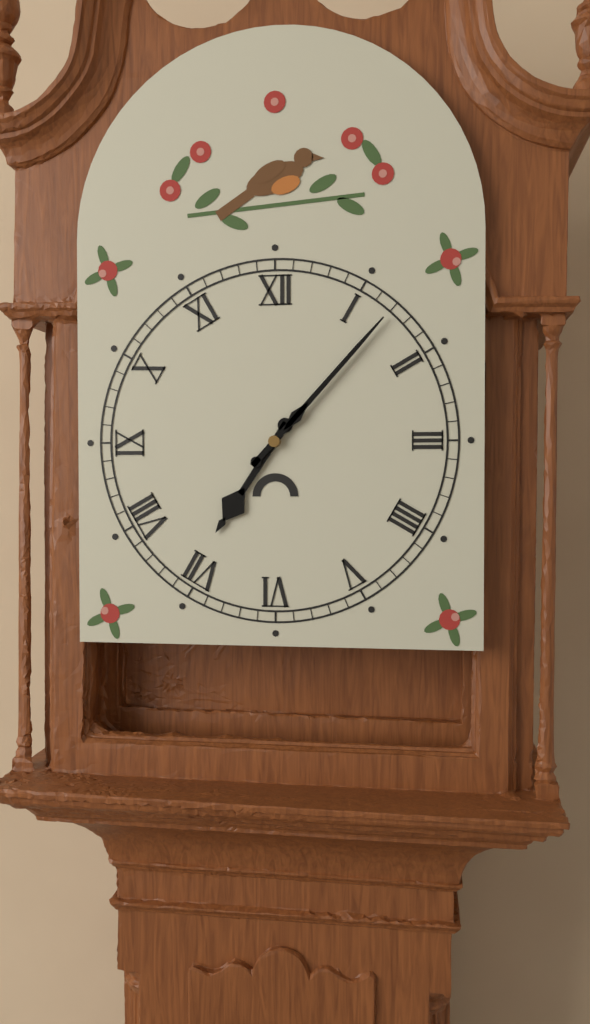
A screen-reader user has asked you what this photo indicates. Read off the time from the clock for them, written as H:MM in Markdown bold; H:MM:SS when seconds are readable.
**7:07**
